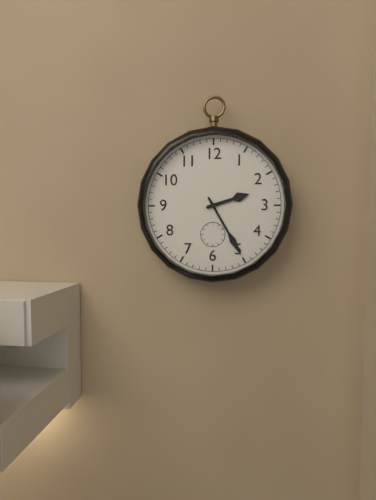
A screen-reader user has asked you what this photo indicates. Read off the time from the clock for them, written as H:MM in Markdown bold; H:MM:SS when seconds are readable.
**2:25**
